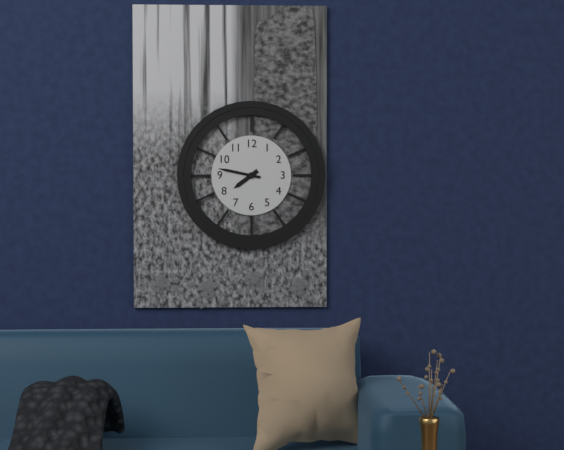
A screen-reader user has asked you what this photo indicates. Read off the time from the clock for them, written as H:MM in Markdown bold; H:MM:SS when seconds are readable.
**7:47**
